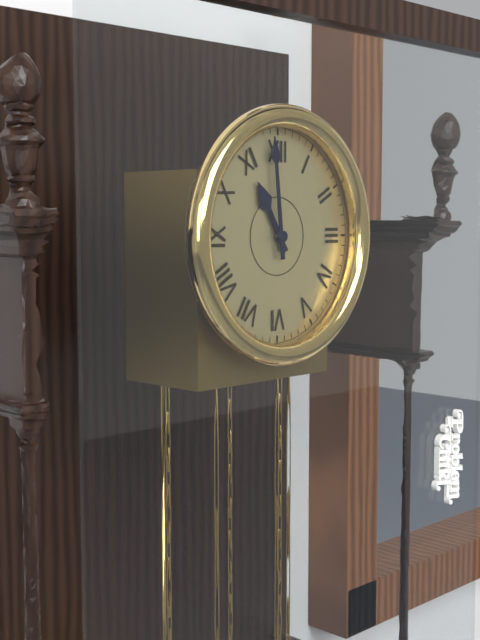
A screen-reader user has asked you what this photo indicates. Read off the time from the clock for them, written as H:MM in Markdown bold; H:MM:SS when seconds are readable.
**10:59**
